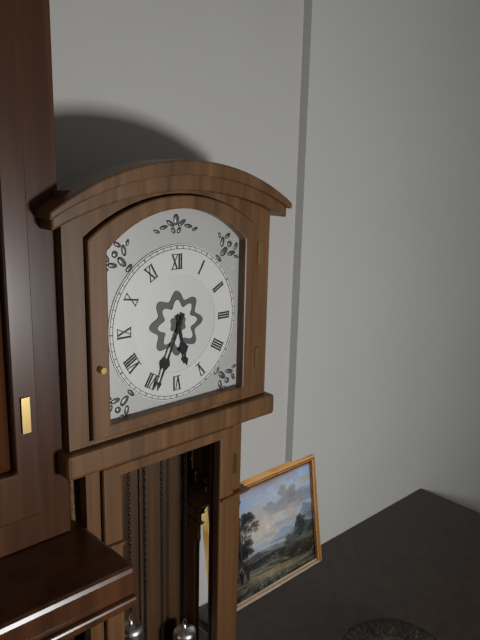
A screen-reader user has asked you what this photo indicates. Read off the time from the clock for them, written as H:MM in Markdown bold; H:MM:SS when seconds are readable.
**5:34**
